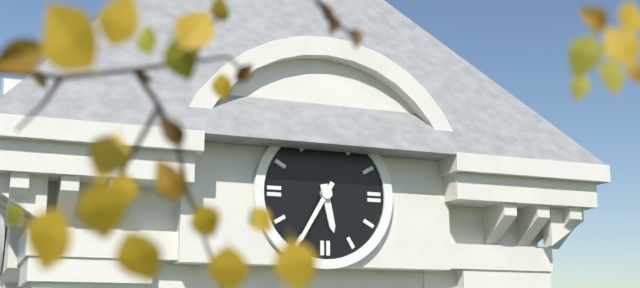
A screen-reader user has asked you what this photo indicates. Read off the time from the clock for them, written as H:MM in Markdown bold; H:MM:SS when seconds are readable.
**5:35**
